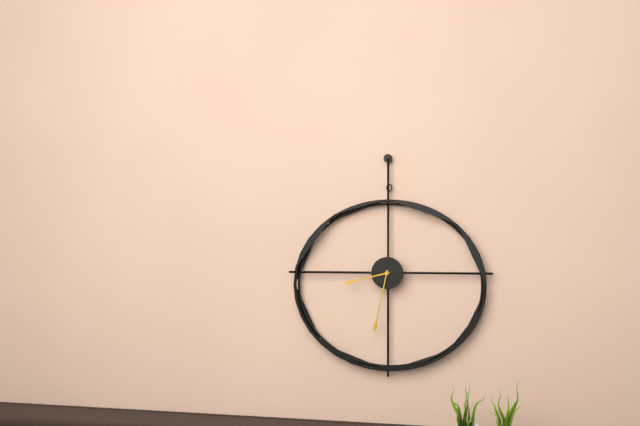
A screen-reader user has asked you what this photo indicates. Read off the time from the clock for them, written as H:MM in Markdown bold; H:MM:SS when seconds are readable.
**8:32**
